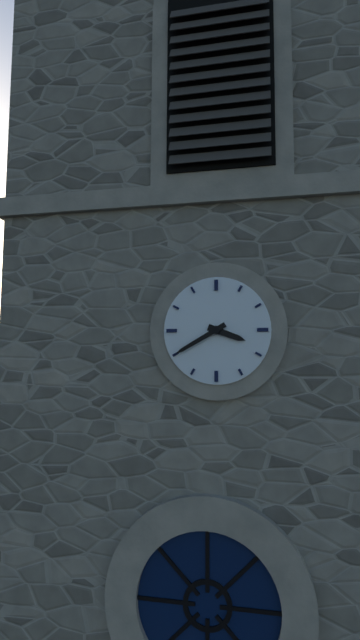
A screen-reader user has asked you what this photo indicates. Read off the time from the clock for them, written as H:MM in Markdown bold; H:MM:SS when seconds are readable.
**3:40**
